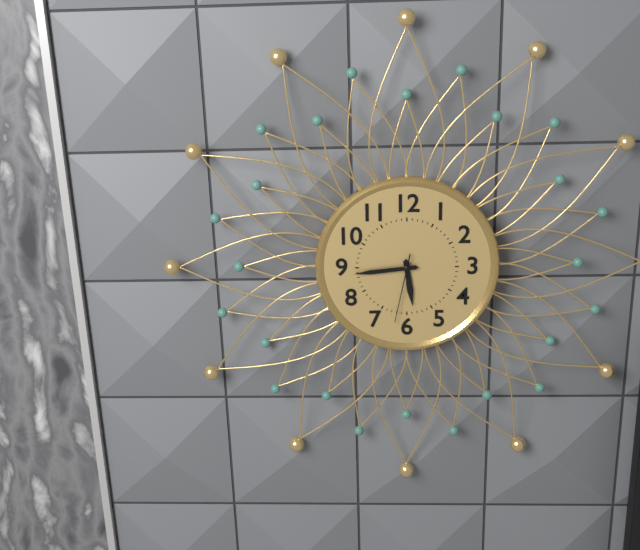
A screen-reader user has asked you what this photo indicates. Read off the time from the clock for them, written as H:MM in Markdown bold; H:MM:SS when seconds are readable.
**5:44:32**
